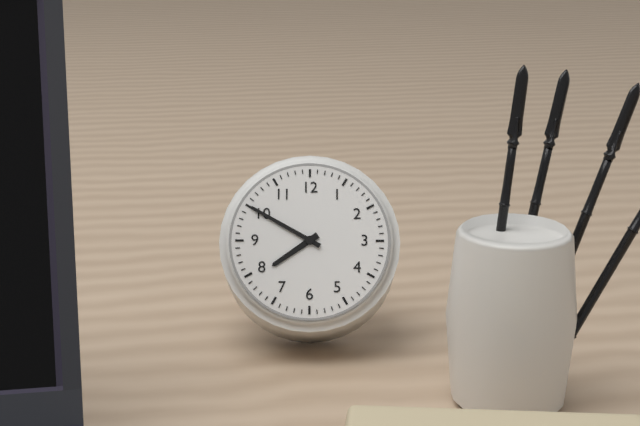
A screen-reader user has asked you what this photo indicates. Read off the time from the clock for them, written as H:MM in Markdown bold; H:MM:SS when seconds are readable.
**7:50**
